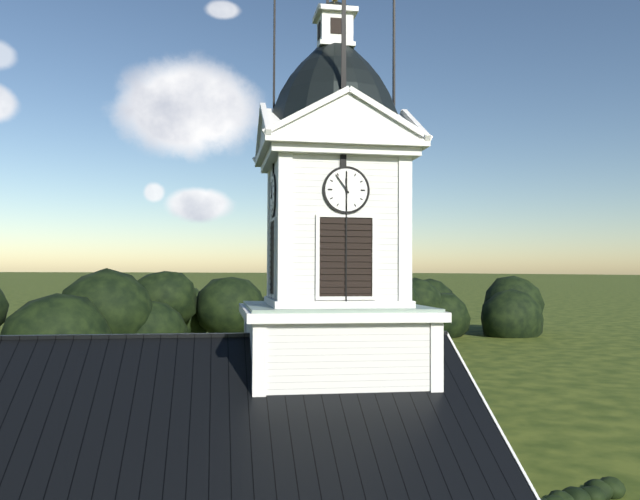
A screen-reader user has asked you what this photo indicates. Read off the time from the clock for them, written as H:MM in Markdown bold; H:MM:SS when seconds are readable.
**11:54**
